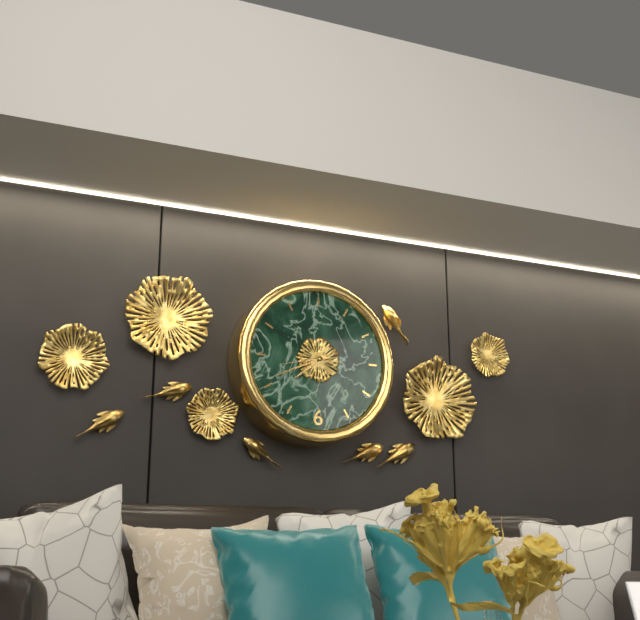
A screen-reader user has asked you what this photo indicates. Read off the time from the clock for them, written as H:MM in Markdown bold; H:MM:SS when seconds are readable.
**7:41:43**
